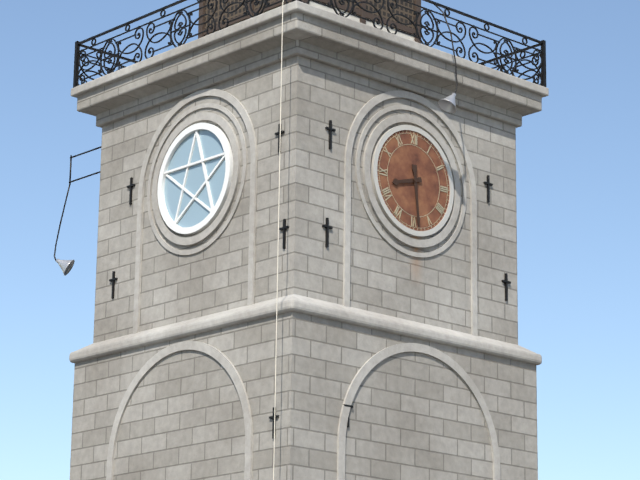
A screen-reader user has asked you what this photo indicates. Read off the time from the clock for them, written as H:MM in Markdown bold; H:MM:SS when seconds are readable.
**8:29**
